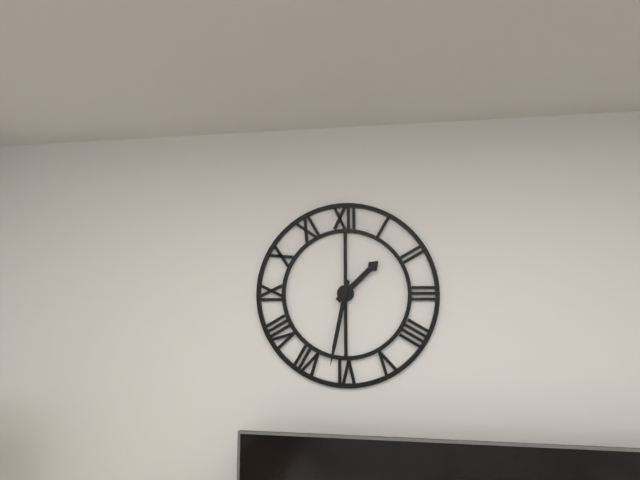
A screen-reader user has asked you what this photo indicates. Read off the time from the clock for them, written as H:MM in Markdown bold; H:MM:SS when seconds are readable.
**1:32**
